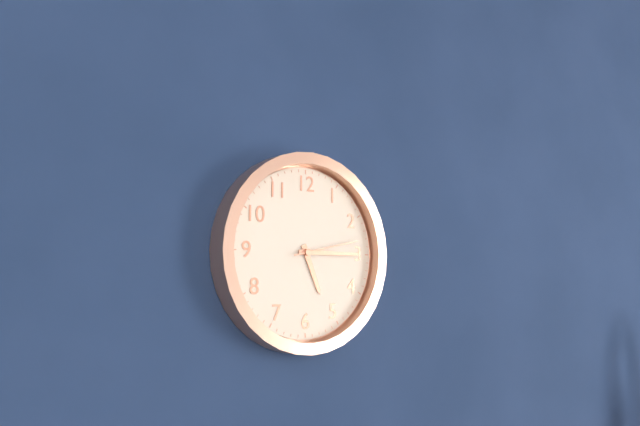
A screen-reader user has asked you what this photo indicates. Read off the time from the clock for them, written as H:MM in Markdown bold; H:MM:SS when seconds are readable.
**5:15:13**
